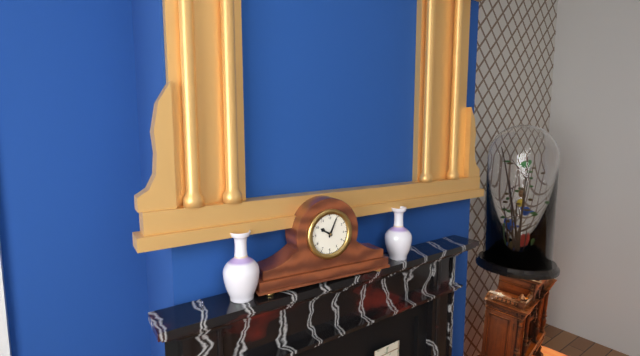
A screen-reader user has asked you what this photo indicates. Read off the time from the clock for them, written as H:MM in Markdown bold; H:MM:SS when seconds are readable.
**10:04**
